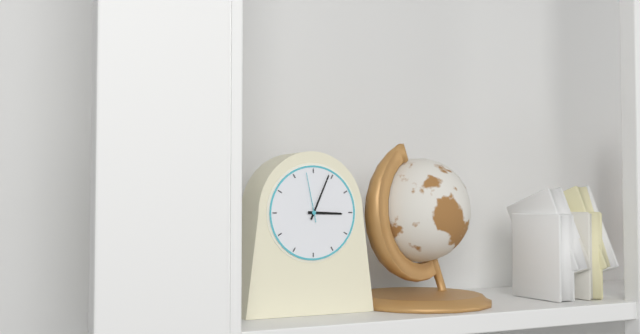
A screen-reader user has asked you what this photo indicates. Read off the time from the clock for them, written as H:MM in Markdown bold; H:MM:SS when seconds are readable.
**3:04:58**
